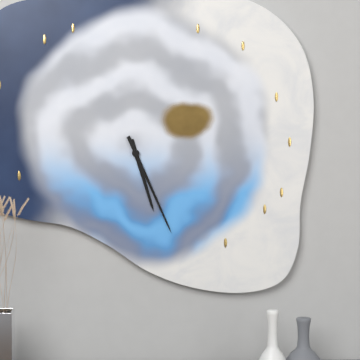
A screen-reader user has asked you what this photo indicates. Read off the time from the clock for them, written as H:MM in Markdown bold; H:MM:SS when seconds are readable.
**5:26**
